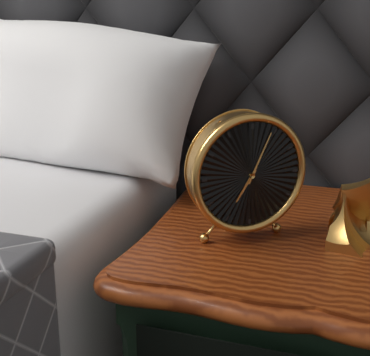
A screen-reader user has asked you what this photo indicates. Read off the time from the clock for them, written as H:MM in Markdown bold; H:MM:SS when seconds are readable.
**7:04**
